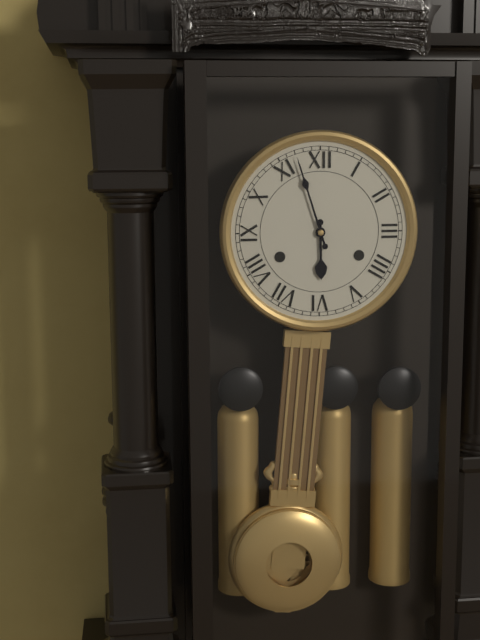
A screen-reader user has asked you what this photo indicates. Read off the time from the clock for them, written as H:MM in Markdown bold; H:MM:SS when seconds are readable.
**5:57**
